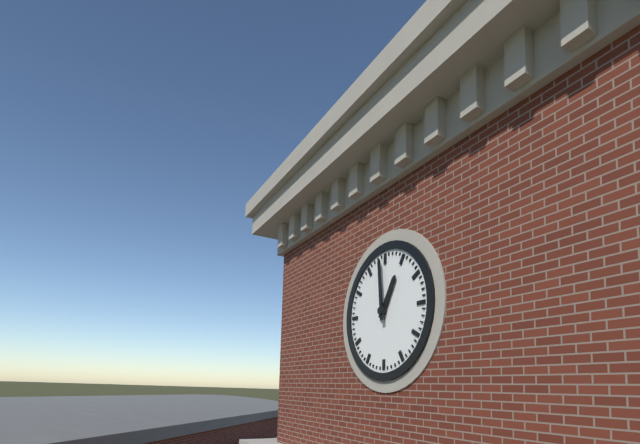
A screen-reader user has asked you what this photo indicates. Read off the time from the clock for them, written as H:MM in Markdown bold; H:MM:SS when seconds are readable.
**12:59**
